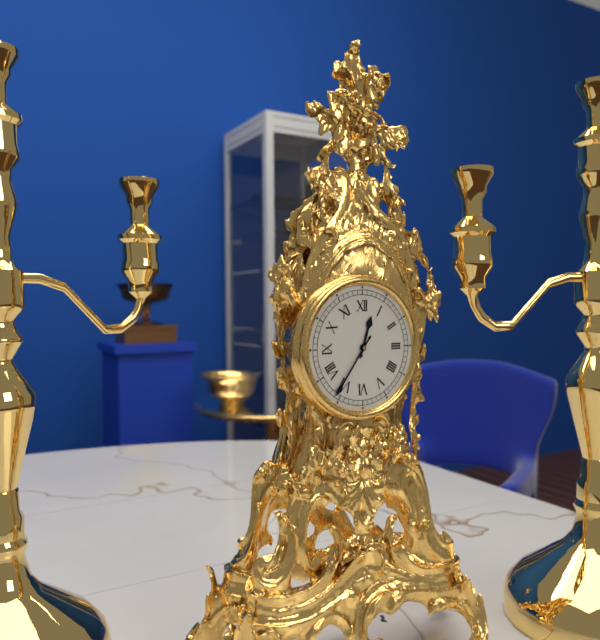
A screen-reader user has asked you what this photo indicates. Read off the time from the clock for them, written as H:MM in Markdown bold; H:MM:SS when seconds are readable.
**12:36**
